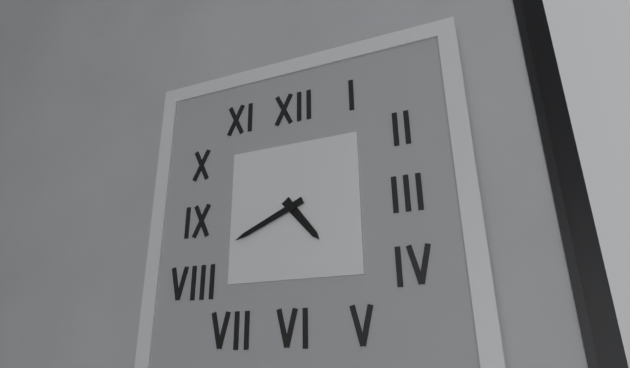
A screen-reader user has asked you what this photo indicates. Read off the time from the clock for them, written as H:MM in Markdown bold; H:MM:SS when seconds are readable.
**4:41**
